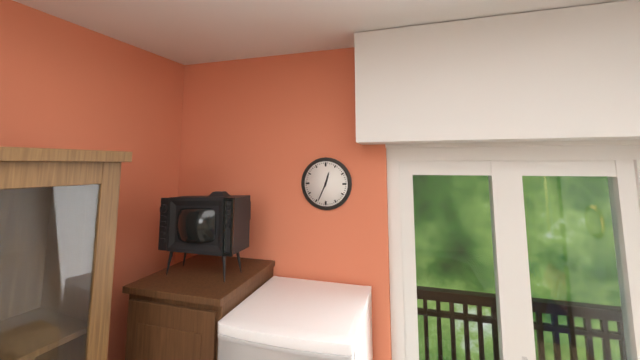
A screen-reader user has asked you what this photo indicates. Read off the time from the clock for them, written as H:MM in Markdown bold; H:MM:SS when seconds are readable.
**12:34**
